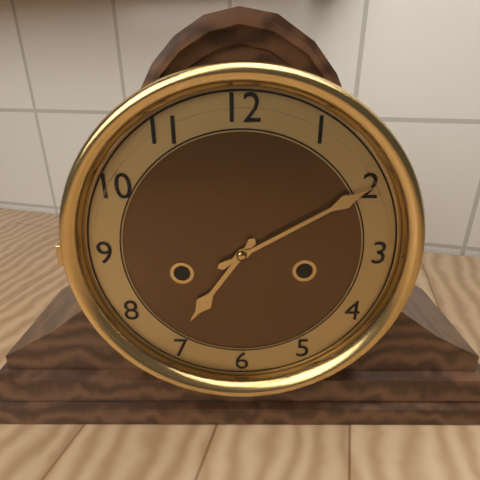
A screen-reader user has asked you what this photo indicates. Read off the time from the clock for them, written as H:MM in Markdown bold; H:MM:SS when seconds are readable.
**7:10**
